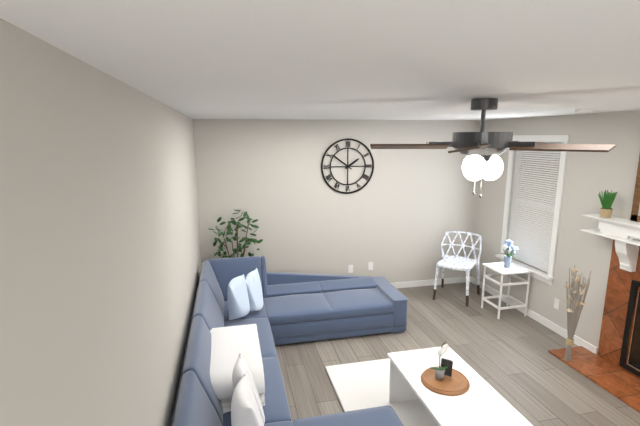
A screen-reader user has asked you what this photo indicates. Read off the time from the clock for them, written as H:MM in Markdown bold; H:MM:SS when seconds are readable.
**1:51**
